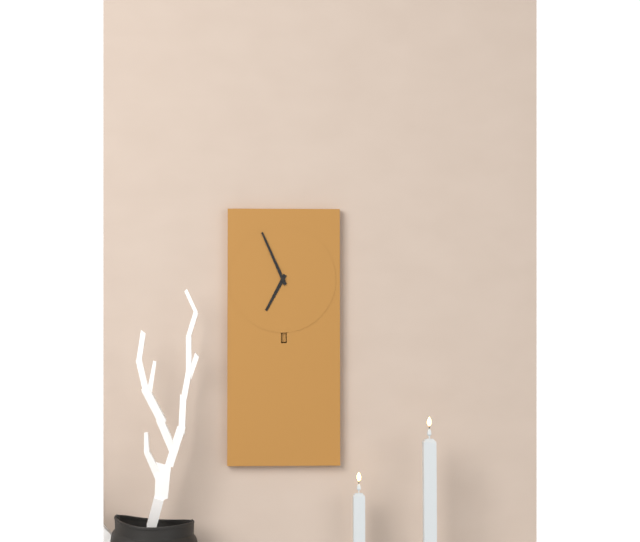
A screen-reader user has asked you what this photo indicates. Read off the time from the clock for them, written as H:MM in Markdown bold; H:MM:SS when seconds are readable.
**6:56**
